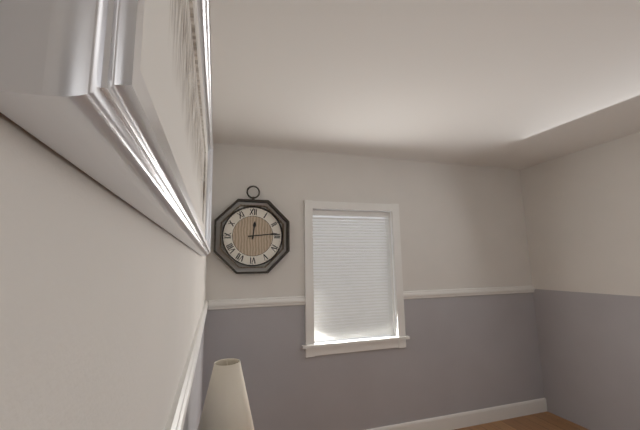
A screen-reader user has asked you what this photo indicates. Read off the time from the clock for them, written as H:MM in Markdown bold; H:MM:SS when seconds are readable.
**12:14**
